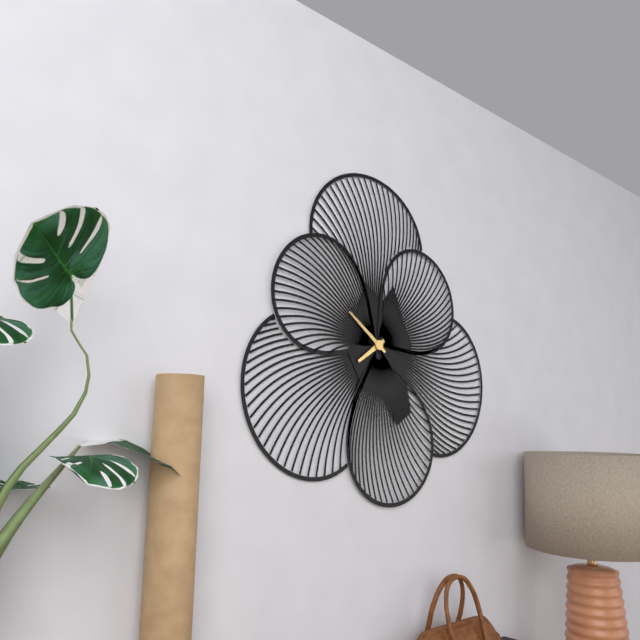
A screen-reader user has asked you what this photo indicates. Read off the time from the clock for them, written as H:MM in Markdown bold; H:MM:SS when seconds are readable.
**7:51**
